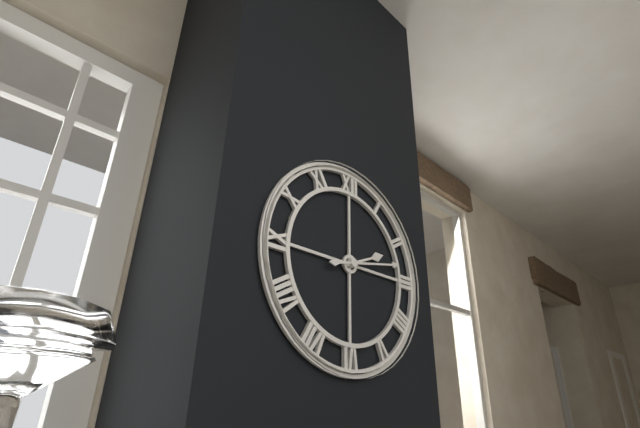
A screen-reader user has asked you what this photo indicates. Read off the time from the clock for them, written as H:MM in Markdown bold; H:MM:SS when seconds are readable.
**2:13**
